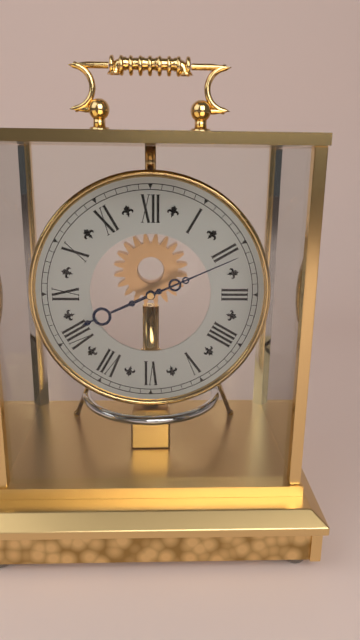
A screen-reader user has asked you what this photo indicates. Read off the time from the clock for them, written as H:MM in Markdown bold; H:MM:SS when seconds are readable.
**8:11**
